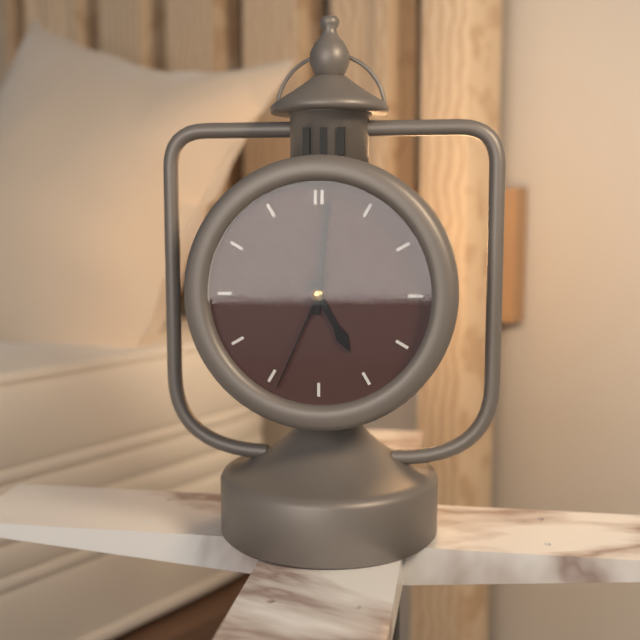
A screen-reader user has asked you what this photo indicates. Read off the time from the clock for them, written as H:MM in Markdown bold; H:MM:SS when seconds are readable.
**5:01:34**
